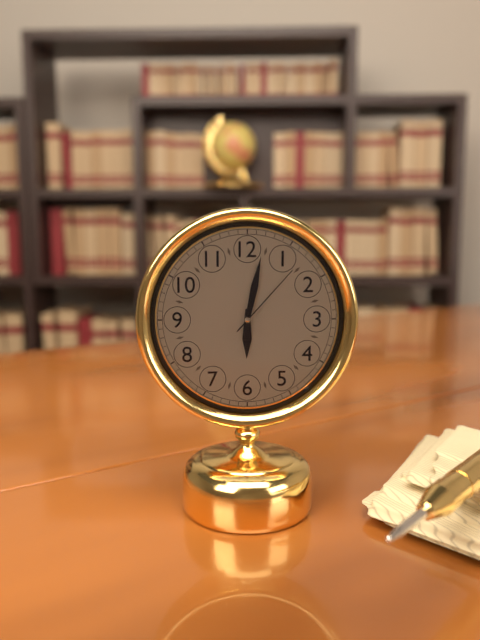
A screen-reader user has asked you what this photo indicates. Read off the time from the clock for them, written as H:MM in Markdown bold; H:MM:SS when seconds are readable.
**6:02:07**
